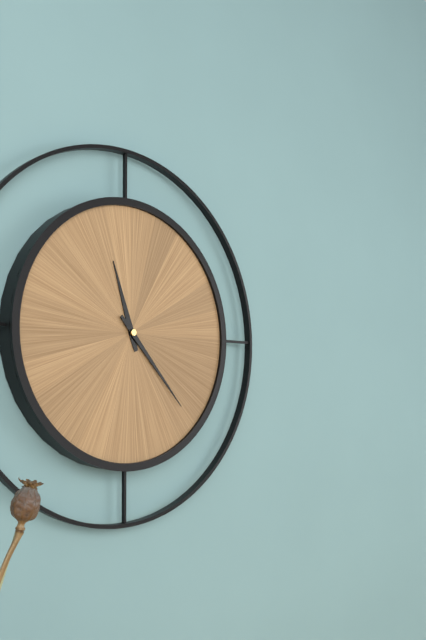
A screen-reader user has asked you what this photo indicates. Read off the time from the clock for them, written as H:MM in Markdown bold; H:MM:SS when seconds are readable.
**11:23**
